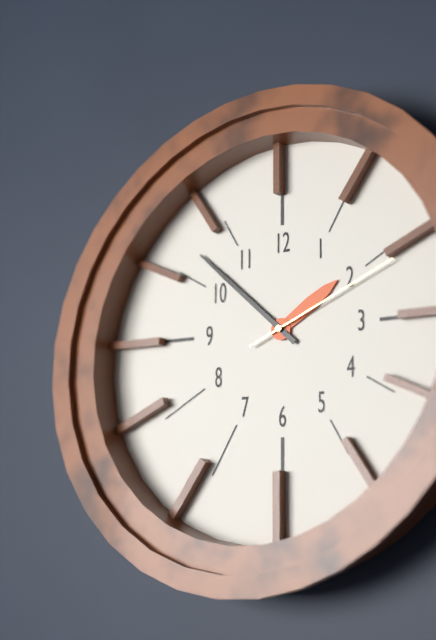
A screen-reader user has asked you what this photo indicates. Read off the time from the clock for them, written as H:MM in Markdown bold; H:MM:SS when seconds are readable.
**1:52:11**
